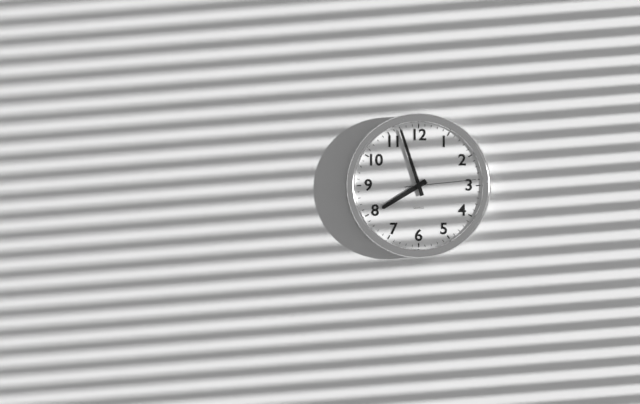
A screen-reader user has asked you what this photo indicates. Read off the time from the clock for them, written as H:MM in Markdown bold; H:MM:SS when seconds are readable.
**7:57:14**
